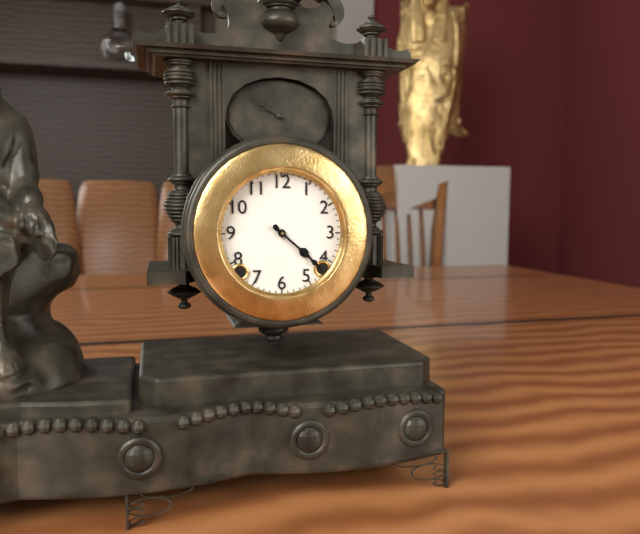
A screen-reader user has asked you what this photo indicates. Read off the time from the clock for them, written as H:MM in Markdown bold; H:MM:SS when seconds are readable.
**4:22**
